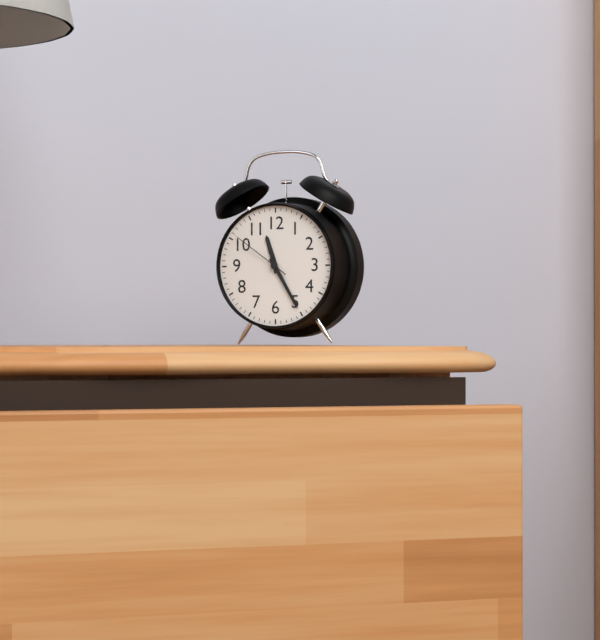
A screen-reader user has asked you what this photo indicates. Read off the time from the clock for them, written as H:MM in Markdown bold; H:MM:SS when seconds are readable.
**11:25:51**
